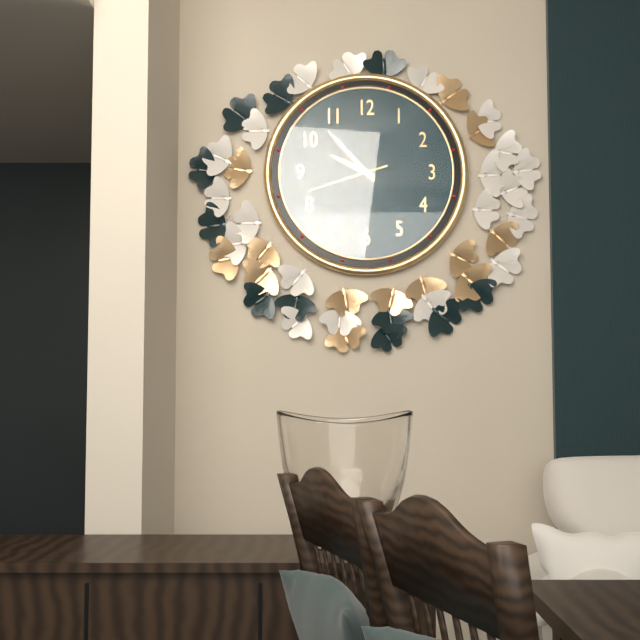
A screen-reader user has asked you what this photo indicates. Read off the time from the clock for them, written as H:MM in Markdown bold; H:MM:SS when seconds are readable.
**9:53:42**
